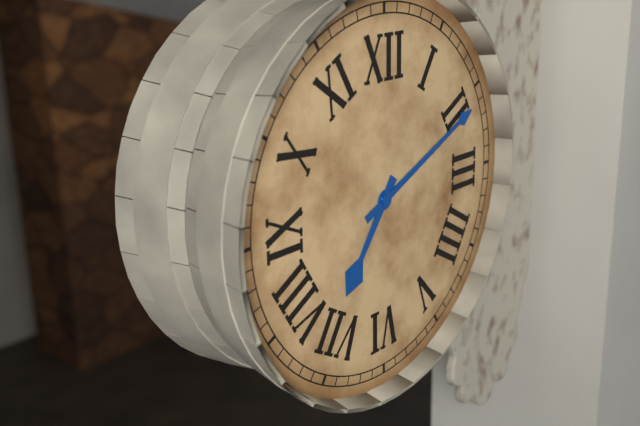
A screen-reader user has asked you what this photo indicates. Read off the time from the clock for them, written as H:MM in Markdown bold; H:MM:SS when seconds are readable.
**7:11**
